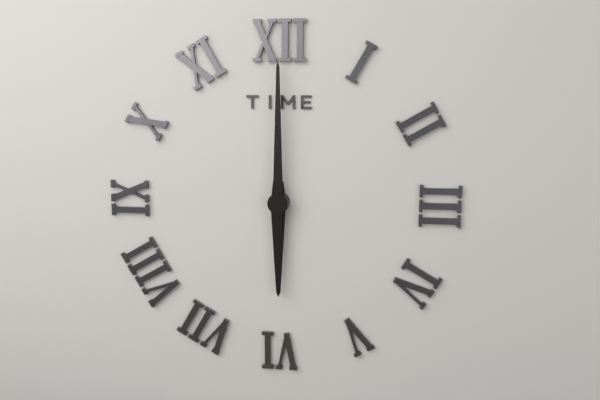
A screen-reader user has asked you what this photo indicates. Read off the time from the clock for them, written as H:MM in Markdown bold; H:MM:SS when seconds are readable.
**6:00**
